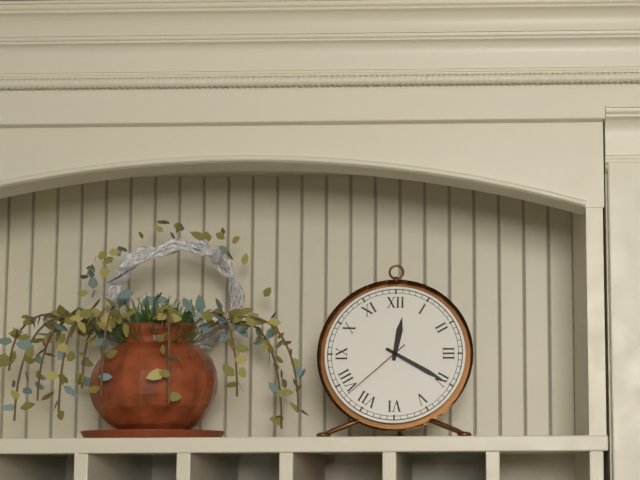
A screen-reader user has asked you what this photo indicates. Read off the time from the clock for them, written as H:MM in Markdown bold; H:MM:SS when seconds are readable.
**12:20:38**
